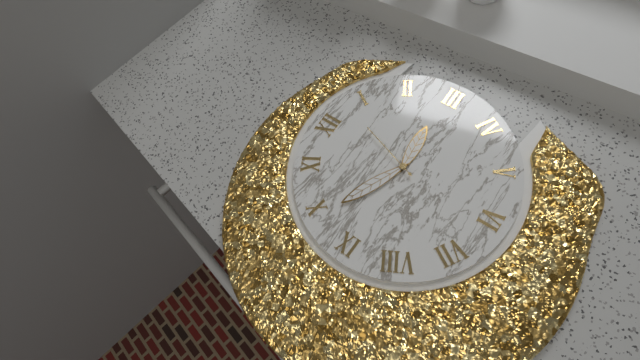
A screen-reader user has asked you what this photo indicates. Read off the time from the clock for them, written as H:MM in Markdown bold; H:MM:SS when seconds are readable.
**2:49:03**
